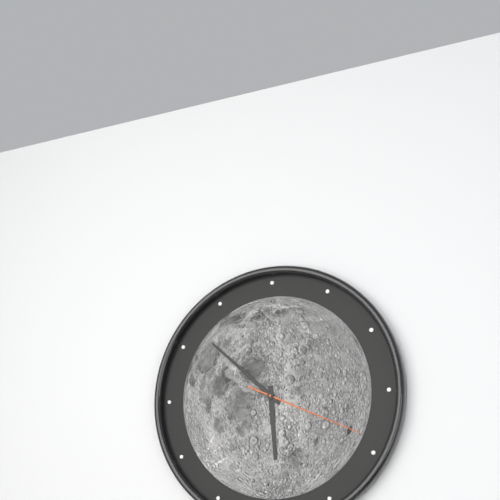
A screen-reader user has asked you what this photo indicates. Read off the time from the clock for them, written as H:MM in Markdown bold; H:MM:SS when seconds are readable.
**5:52:19**
